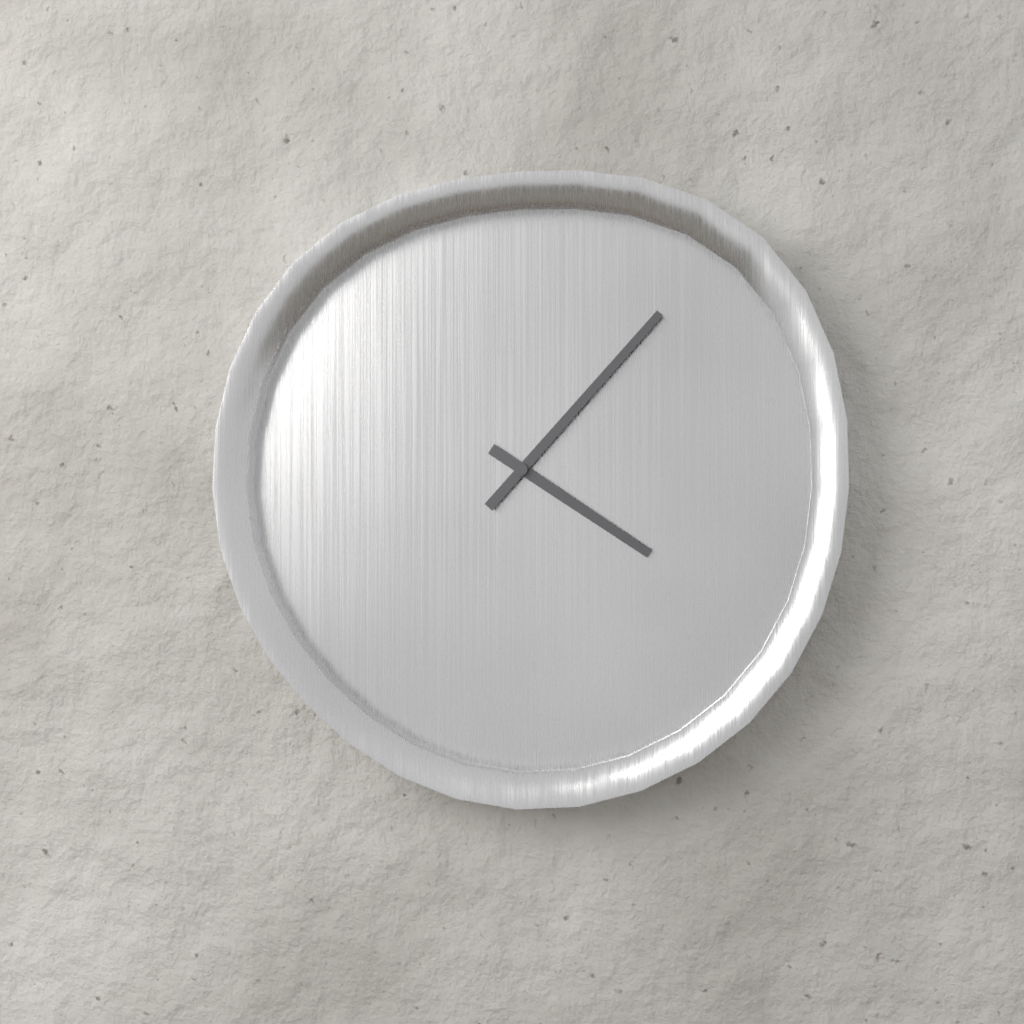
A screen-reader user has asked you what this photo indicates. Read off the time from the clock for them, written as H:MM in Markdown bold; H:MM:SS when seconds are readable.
**4:07**
